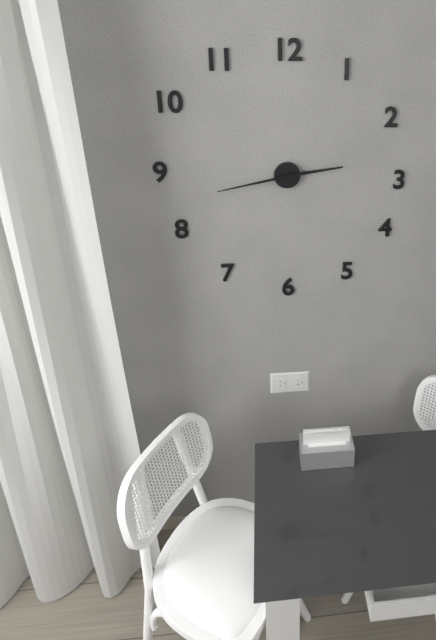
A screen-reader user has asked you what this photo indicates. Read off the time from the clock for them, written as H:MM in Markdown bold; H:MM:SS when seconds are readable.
**2:43**
